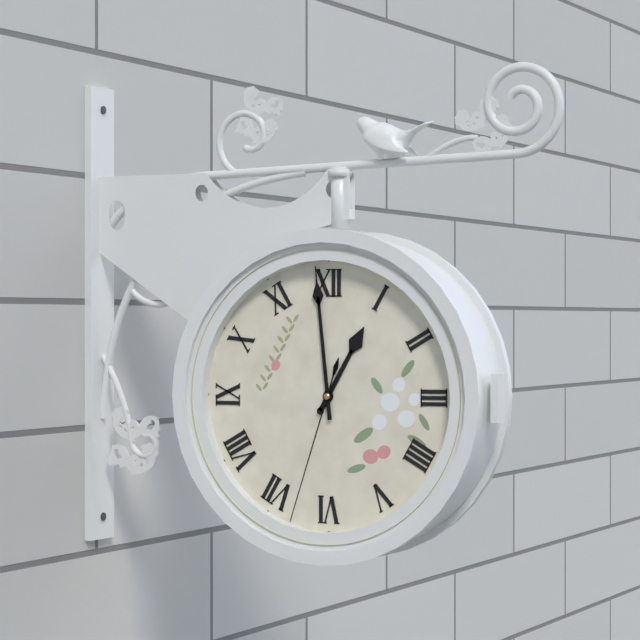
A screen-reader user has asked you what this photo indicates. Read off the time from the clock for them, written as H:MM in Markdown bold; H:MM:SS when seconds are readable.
**12:59:33**
